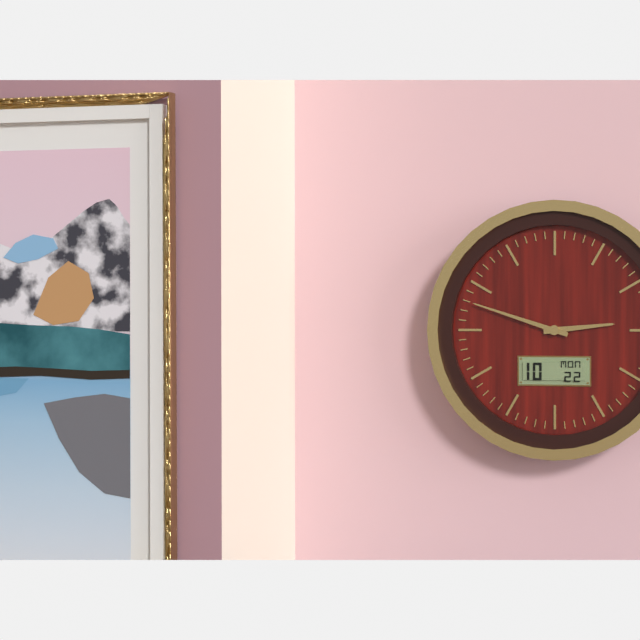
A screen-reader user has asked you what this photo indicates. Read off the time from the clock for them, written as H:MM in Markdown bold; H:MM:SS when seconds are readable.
**2:48**
